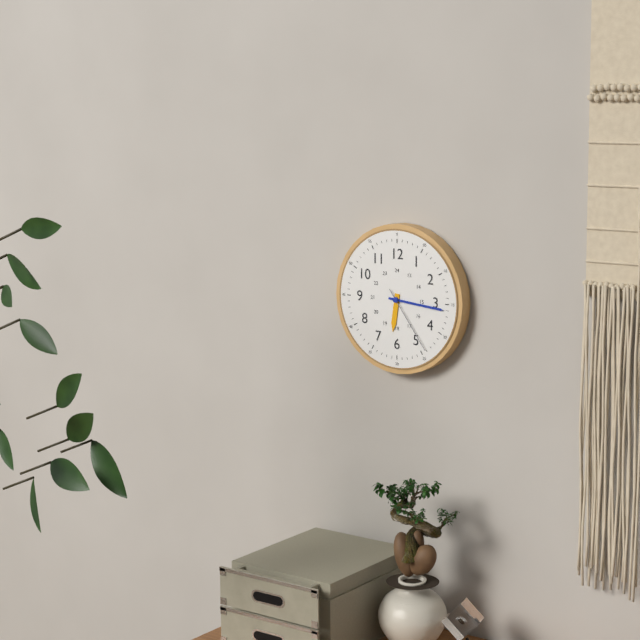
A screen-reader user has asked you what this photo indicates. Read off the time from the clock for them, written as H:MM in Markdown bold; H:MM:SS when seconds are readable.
**6:16:24**
